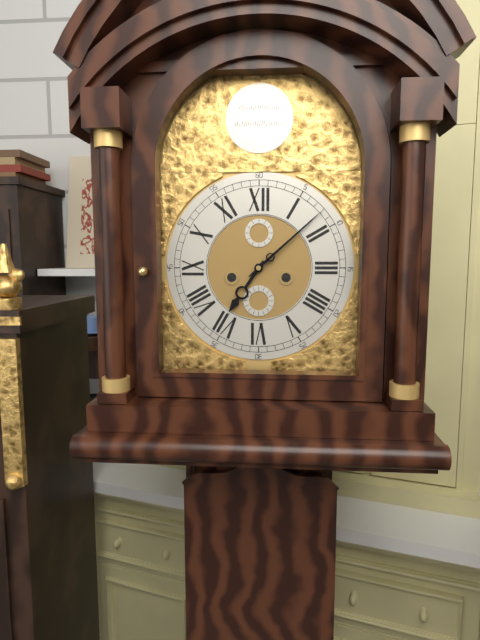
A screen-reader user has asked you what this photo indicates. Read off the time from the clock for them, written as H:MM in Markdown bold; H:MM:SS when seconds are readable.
**7:08**
